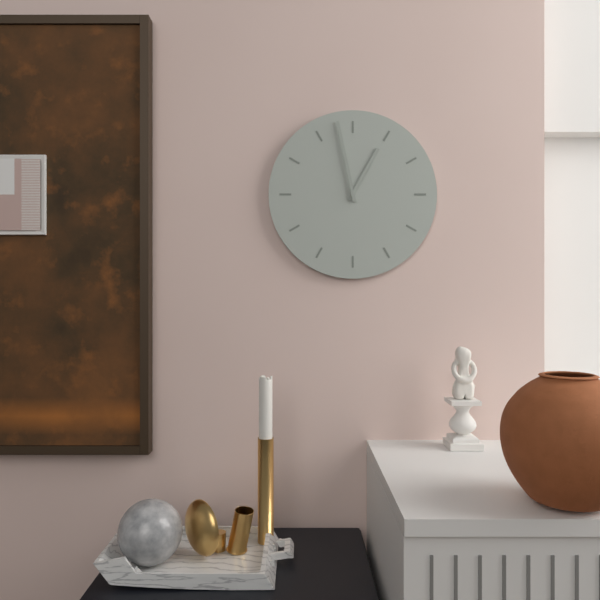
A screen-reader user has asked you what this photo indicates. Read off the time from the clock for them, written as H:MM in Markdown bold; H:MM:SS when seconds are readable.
**12:58**
